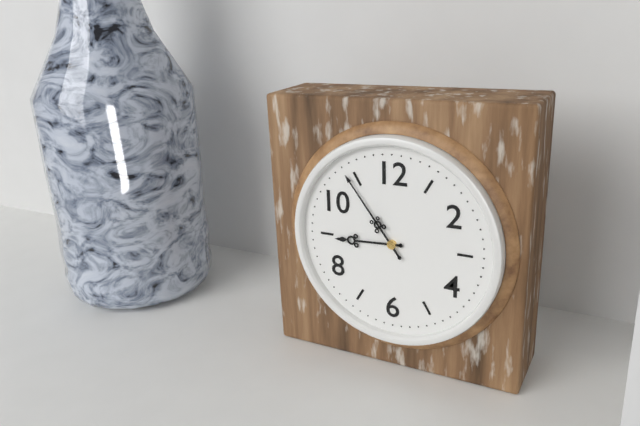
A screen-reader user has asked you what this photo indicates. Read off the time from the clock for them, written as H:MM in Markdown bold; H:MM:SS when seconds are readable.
**8:54**
